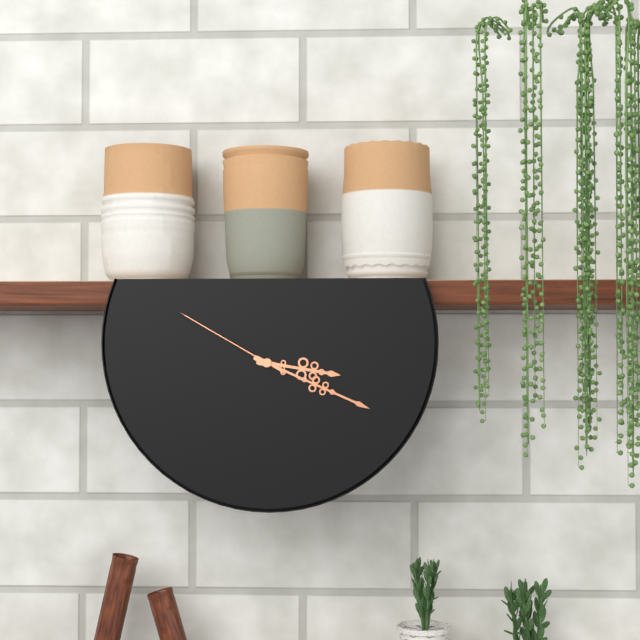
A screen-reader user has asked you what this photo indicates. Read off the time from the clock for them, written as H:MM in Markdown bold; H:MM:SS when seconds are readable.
**3:19:50**
